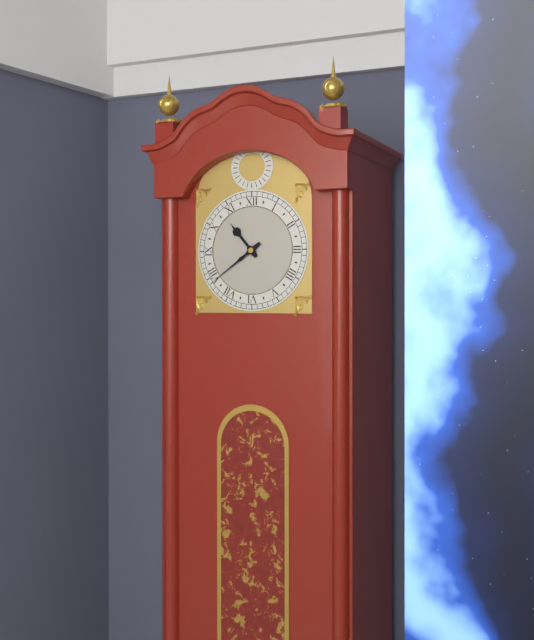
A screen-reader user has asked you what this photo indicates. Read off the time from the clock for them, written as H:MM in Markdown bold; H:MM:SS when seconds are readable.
**10:39**
